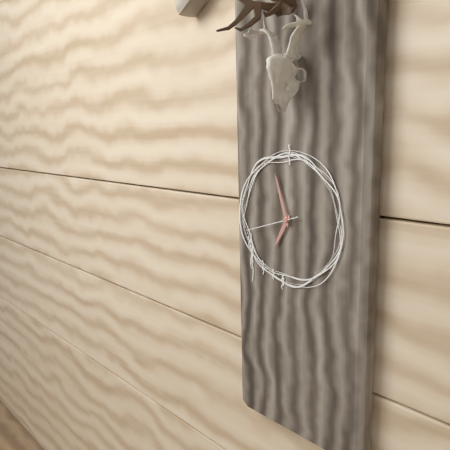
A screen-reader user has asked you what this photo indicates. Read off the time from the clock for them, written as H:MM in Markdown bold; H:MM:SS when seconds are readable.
**6:57:42**
